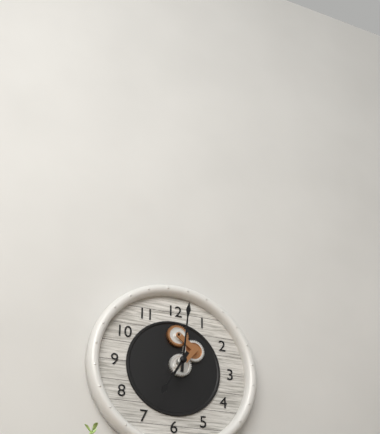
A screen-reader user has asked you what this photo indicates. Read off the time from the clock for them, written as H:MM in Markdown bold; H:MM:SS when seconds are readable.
**7:01**
